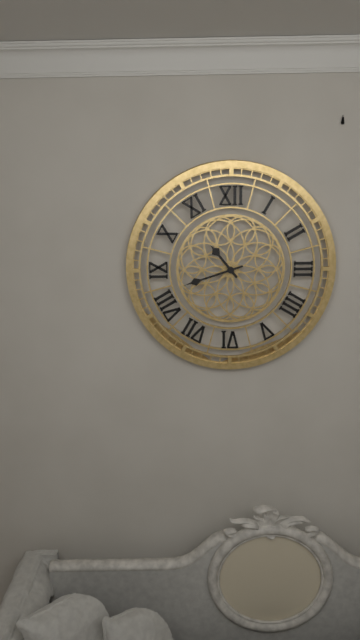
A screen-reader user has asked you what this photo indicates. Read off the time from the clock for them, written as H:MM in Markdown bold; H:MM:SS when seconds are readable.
**10:42**
